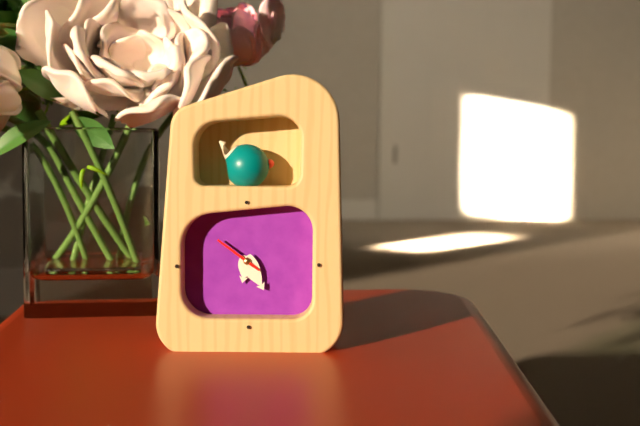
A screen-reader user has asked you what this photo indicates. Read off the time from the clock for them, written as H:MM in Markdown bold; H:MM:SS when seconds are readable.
**6:25**
